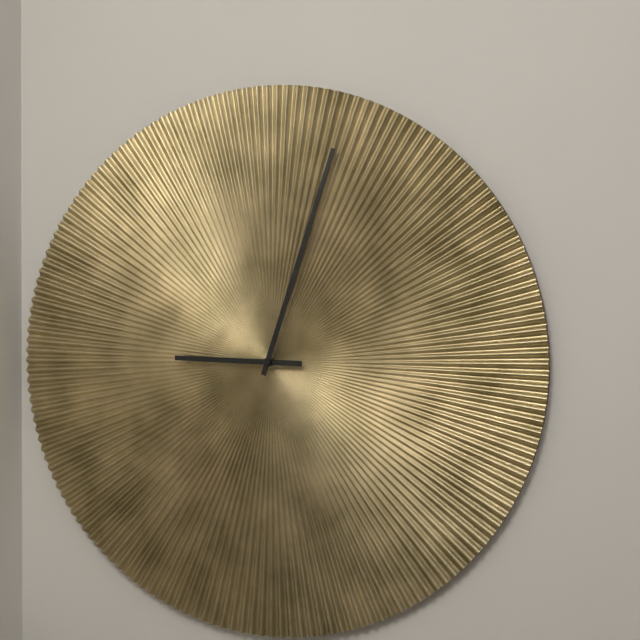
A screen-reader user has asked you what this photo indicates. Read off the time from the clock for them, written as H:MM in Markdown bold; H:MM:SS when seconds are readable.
**9:03**
